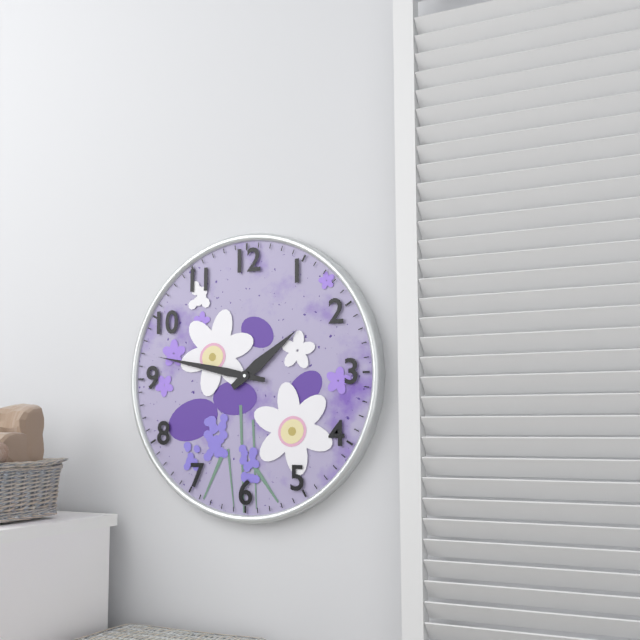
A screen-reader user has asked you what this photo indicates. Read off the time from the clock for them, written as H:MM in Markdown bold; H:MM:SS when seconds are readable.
**1:47**
